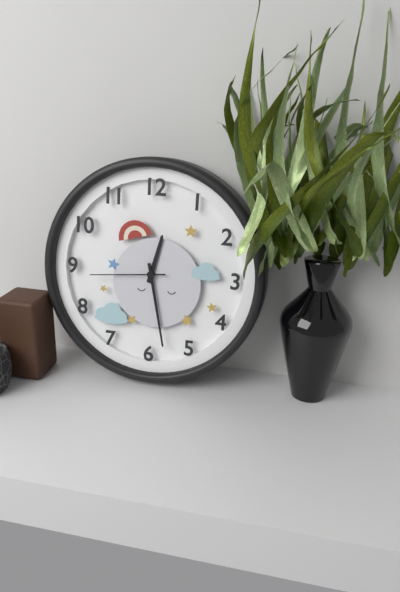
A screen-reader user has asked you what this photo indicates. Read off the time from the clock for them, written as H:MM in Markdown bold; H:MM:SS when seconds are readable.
**12:28:44**
